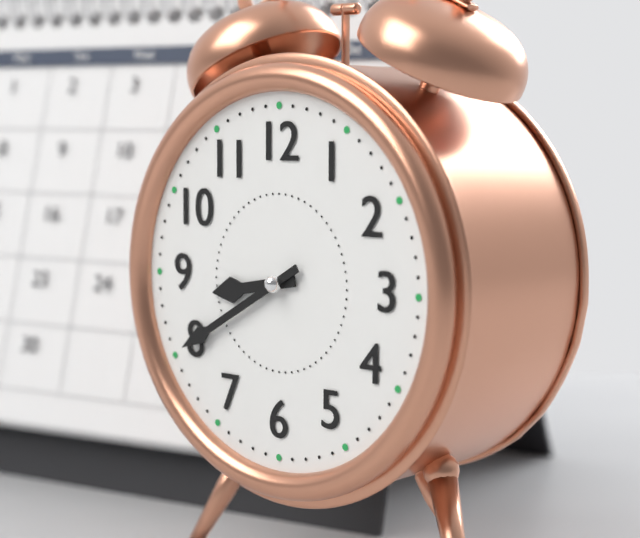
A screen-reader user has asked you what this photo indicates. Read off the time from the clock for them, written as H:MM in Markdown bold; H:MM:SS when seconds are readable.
**8:40**
